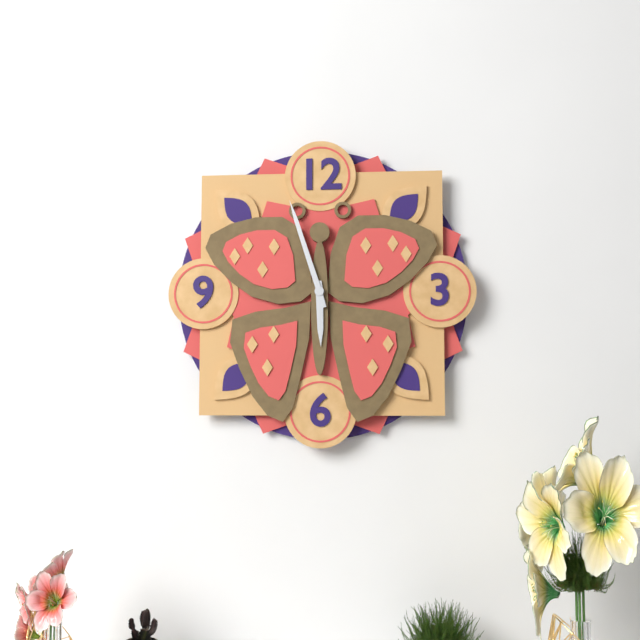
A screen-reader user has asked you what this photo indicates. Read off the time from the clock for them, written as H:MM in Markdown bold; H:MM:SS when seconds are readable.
**5:57**
